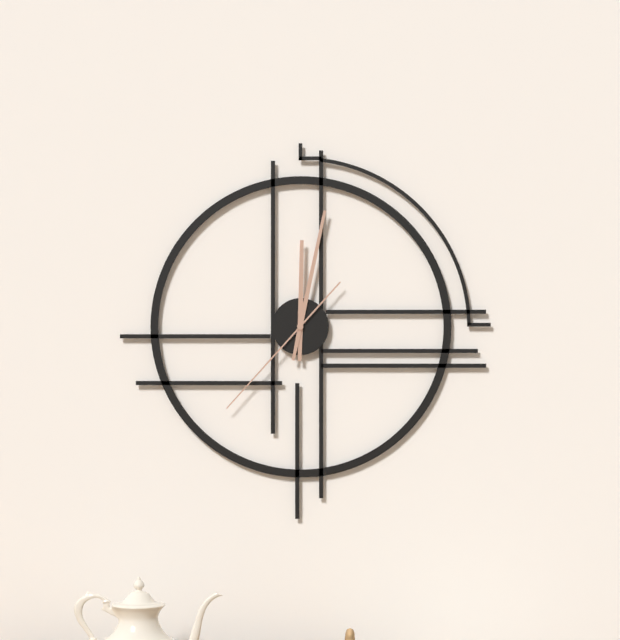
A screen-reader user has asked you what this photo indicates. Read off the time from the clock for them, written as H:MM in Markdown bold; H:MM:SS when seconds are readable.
**12:02:37**
